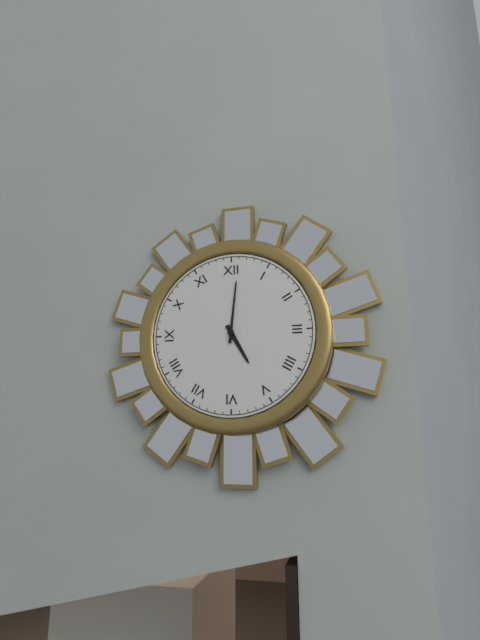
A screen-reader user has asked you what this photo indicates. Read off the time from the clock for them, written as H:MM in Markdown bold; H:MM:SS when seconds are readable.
**5:01**
